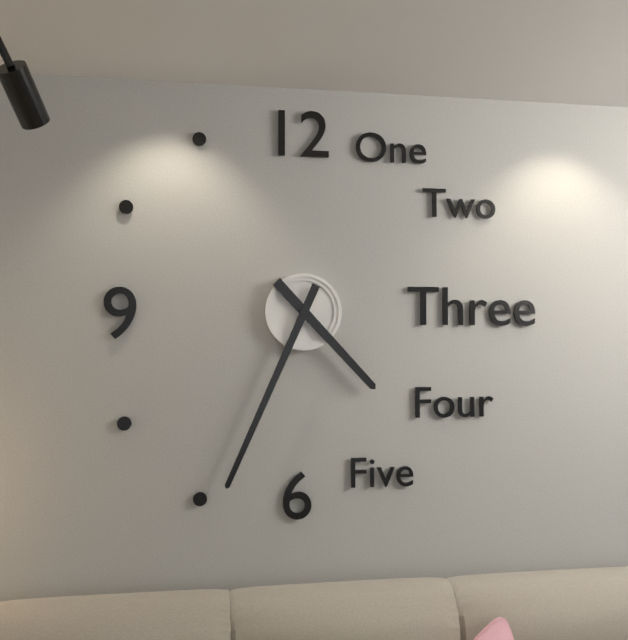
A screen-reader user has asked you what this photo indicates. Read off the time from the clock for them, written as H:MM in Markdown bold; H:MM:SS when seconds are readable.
**4:34**
